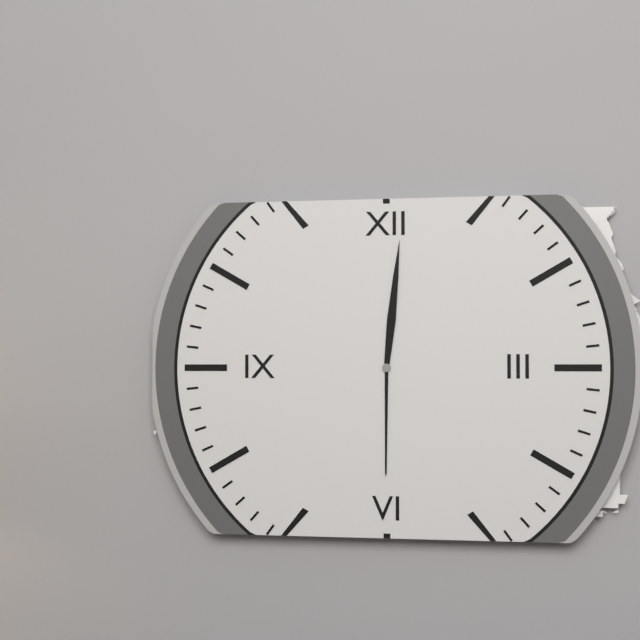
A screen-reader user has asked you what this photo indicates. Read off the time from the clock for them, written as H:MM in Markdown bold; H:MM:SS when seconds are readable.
**6:01**
